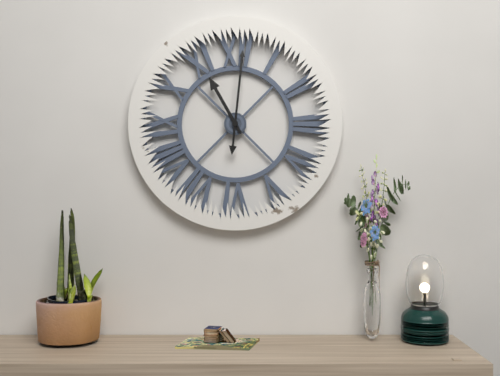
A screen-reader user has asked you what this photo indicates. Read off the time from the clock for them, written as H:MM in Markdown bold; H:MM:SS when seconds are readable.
**11:01**
